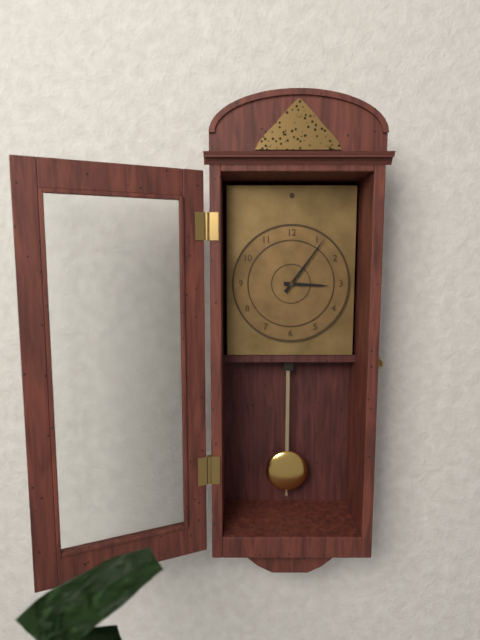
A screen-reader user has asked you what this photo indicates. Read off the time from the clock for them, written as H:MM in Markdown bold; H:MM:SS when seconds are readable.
**3:06**
